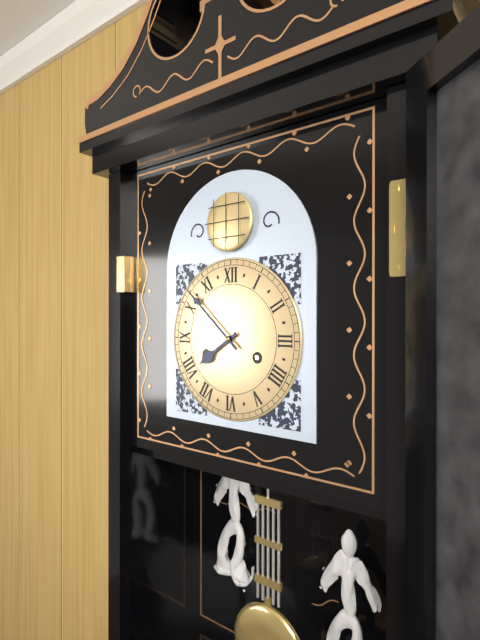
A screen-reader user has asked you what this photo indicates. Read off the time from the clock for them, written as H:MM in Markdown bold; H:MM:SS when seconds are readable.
**7:52**
